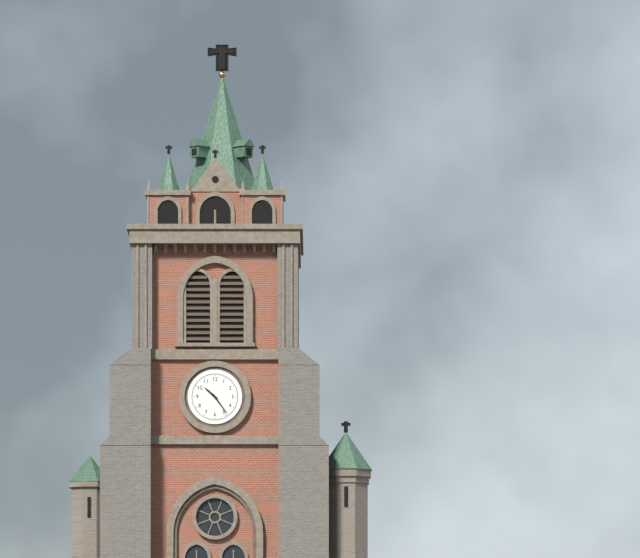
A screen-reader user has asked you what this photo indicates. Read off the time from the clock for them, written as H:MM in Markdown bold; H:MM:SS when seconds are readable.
**10:24**
